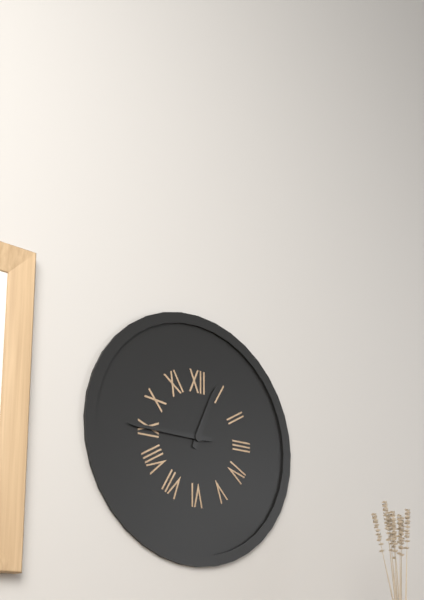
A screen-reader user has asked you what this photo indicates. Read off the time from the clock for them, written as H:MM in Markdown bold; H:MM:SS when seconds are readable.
**12:45**
